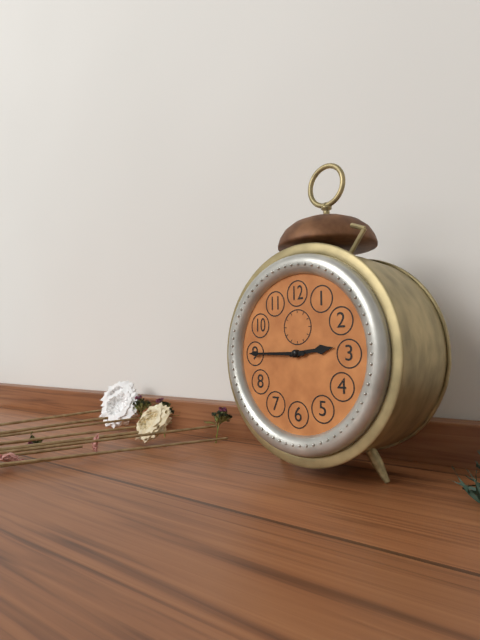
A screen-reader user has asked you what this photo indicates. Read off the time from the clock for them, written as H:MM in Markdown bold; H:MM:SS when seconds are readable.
**2:45**
